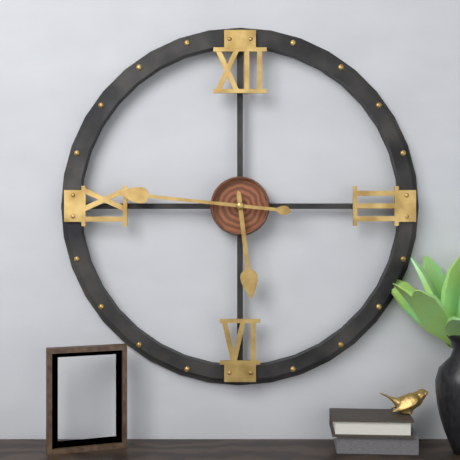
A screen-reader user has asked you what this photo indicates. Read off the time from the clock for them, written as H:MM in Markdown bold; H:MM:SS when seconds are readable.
**5:46**
